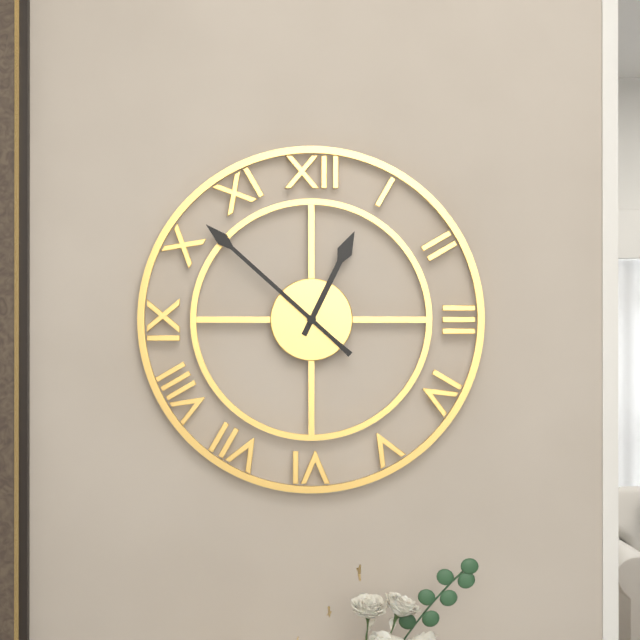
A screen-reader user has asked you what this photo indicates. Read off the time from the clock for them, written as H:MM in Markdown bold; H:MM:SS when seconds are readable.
**12:52**
